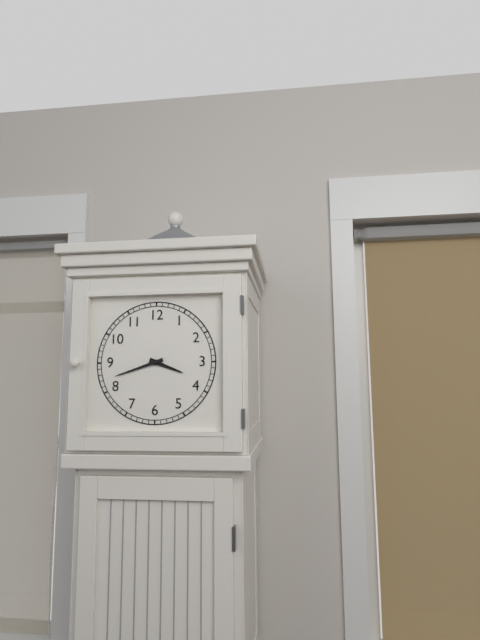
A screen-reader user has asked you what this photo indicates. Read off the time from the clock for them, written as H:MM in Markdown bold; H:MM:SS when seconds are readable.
**3:42**
